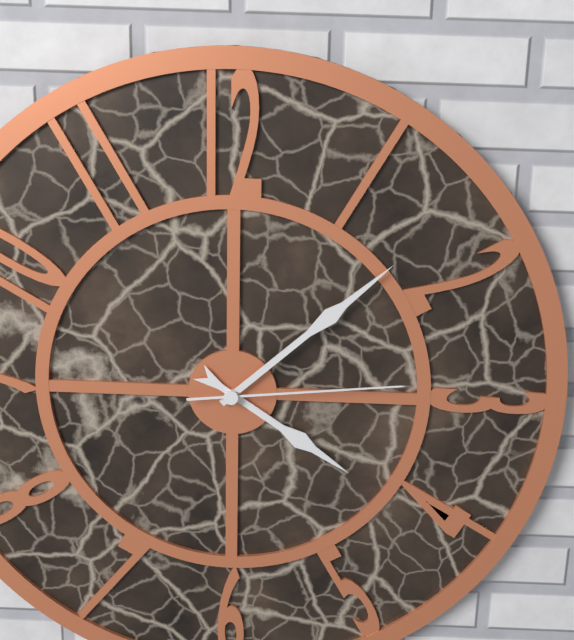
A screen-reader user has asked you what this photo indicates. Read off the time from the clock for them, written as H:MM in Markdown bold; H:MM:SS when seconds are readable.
**4:08:14**
